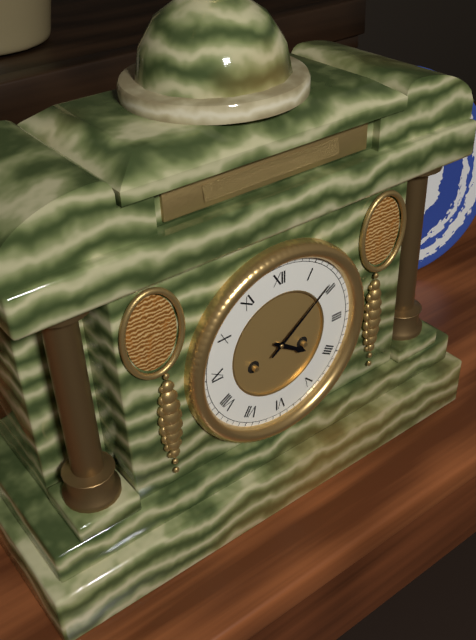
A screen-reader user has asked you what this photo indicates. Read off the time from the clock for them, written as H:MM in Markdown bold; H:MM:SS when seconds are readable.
**4:09**
